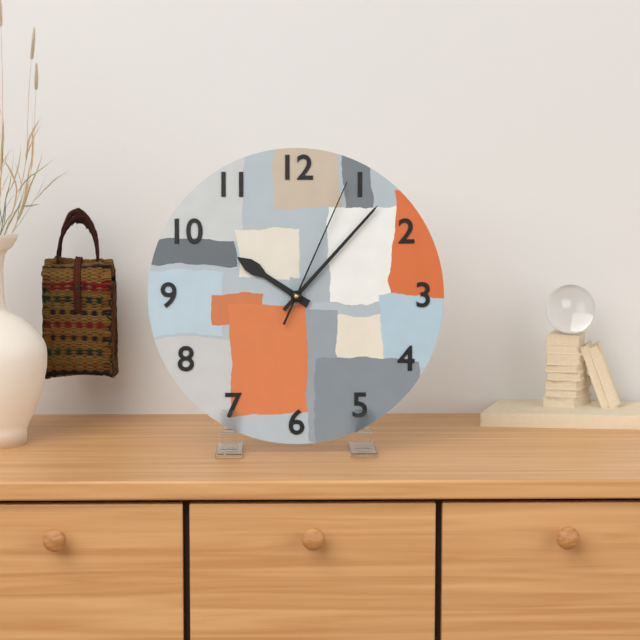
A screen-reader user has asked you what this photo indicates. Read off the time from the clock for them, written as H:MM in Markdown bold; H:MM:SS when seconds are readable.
**10:07:04**
